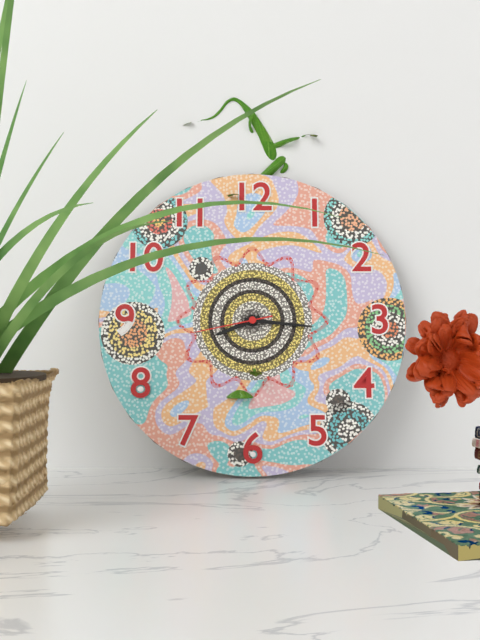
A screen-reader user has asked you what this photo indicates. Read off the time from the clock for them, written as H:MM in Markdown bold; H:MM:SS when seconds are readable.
**8:16:43**
